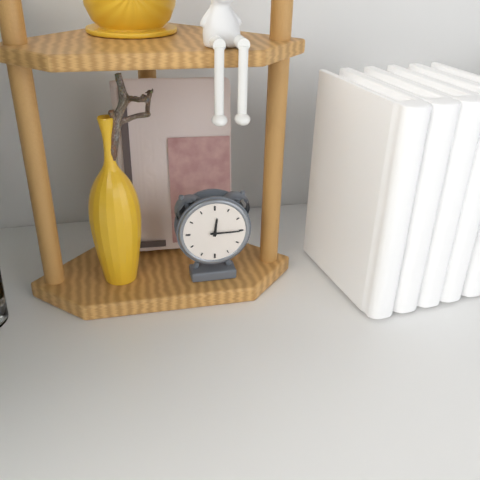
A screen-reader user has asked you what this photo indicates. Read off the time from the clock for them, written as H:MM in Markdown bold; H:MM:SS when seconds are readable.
**12:15**
